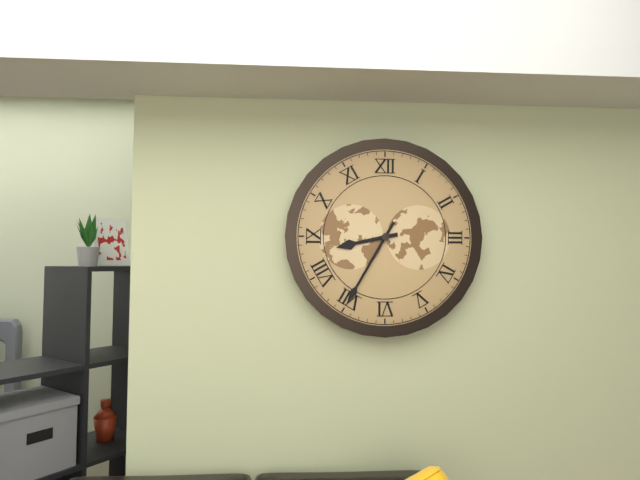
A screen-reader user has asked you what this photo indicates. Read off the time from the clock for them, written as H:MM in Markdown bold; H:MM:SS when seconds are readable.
**8:35**
